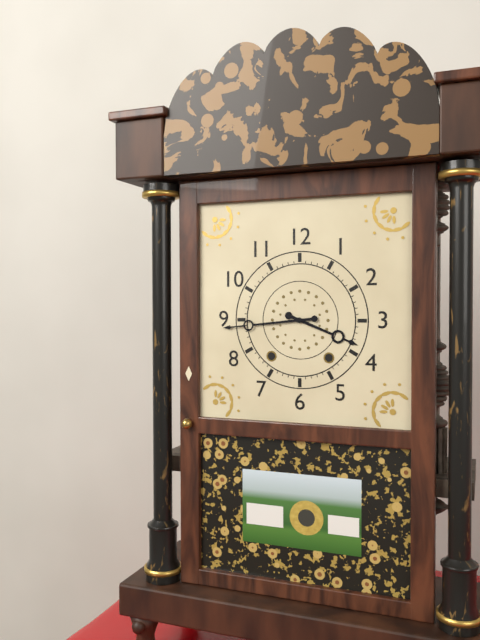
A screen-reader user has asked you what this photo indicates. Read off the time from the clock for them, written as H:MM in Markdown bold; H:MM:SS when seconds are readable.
**3:44**
